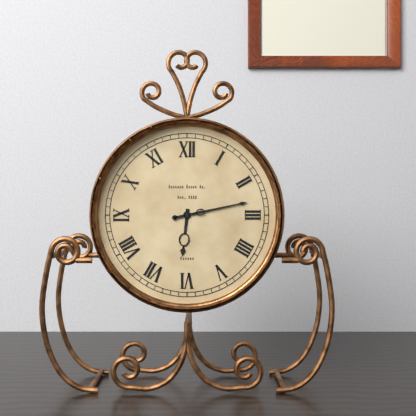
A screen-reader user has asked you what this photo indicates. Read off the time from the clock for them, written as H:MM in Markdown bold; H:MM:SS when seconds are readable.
**6:13**
